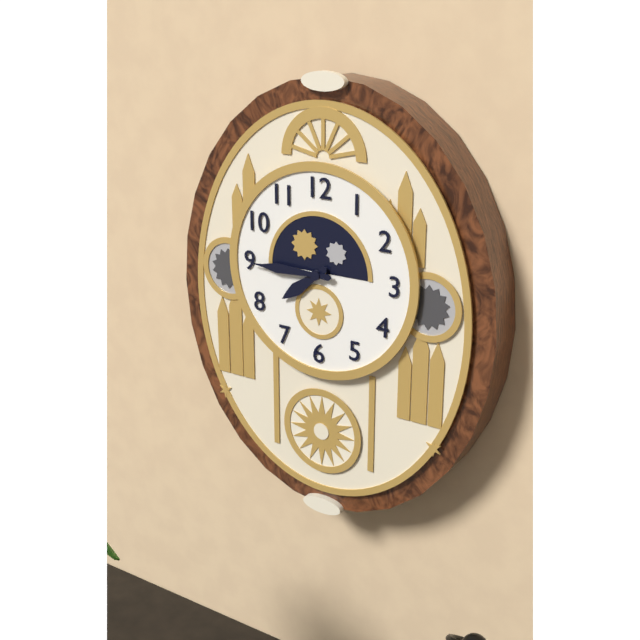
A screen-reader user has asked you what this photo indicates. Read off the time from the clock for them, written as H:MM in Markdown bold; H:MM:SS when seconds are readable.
**7:45**
